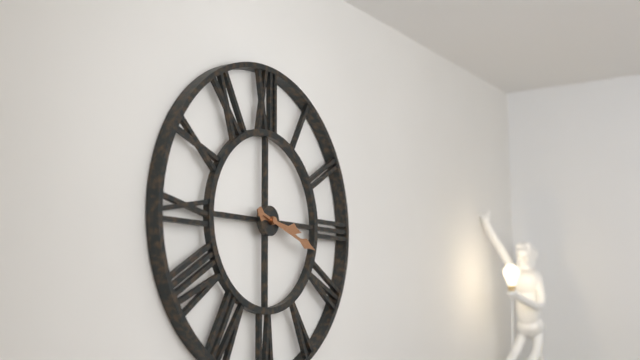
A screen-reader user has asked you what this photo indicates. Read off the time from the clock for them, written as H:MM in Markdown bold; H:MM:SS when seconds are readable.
**3:18**
